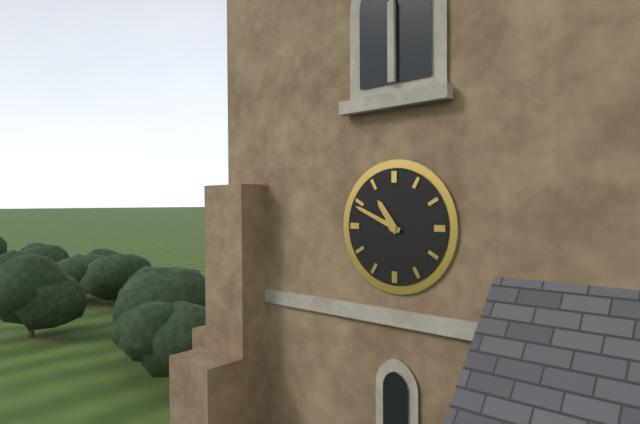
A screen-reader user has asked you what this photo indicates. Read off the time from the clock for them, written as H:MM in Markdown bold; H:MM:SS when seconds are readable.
**10:49**
